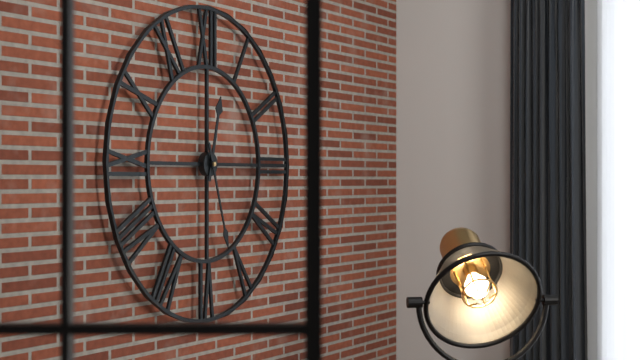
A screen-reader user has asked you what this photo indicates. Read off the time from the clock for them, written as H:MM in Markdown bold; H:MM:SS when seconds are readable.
**12:27**
